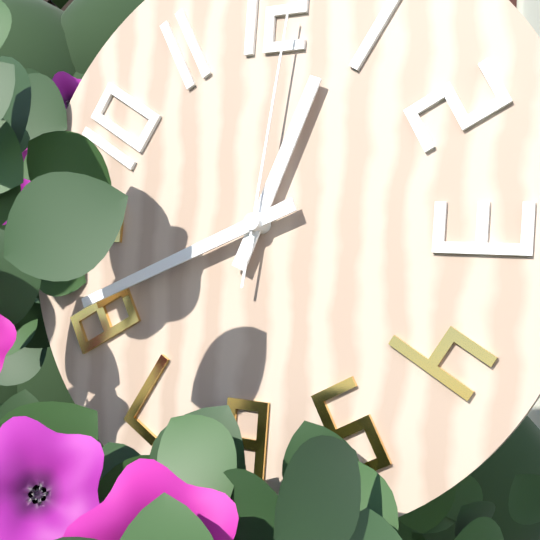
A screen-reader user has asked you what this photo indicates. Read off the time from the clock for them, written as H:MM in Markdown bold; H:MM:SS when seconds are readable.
**12:41:01**
